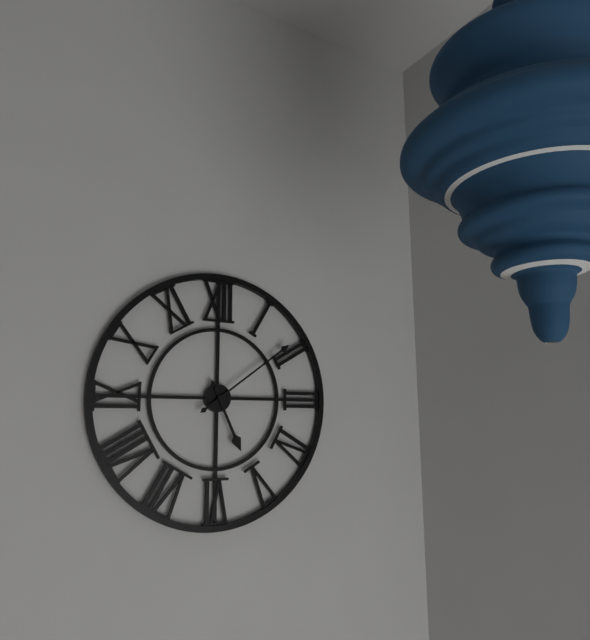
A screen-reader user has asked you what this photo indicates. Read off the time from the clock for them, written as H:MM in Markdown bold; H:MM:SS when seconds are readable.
**5:09**
